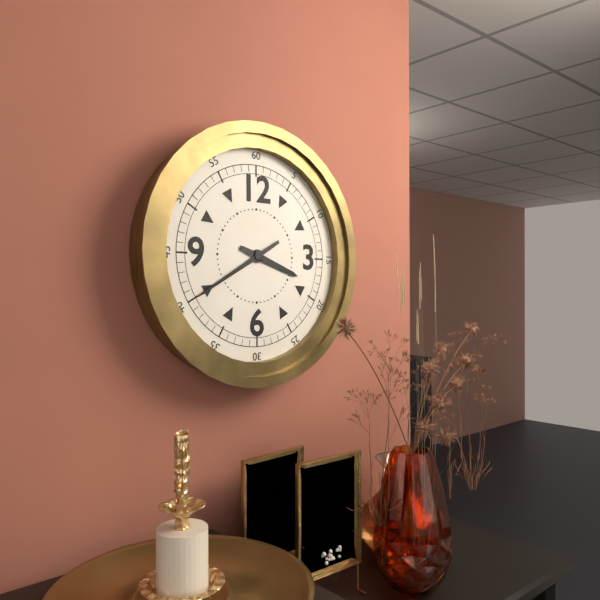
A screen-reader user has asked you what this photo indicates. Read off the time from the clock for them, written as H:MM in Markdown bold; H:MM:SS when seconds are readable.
**3:40**
